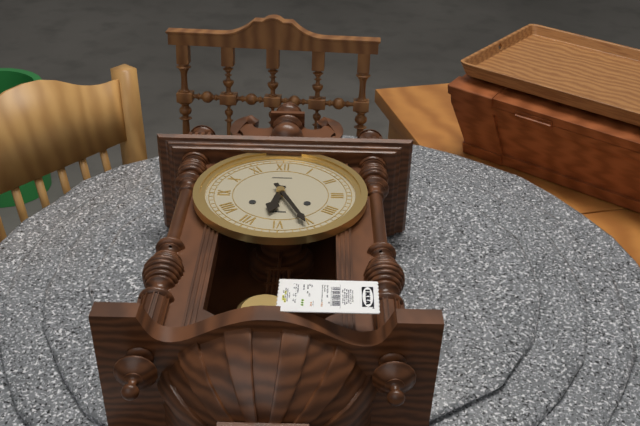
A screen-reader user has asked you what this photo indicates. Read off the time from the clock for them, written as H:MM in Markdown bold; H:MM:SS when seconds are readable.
**6:26**
